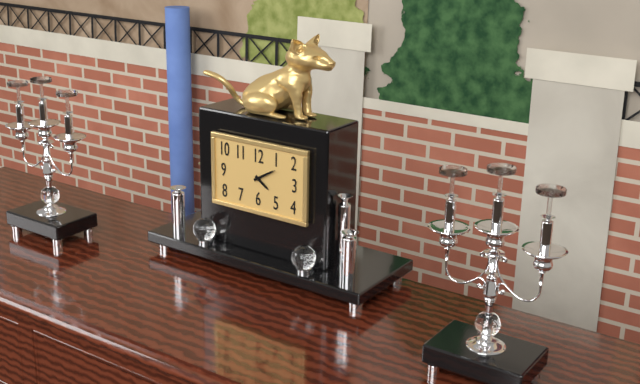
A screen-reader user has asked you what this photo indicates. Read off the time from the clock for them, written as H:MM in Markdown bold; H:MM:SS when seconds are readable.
**4:10**
